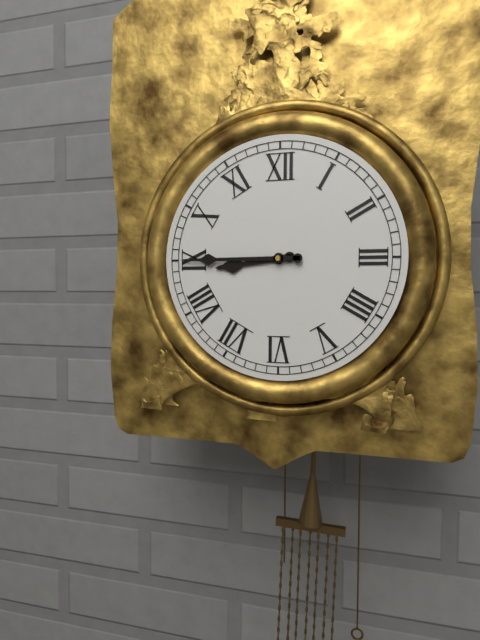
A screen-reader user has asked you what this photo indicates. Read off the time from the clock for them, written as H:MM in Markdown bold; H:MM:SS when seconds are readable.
**8:45**
